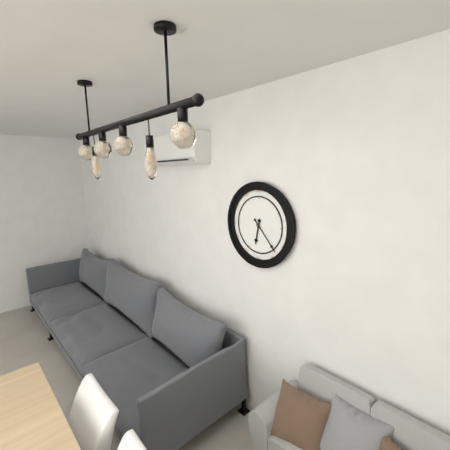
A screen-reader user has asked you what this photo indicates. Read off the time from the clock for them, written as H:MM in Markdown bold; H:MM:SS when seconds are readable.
**6:23**
